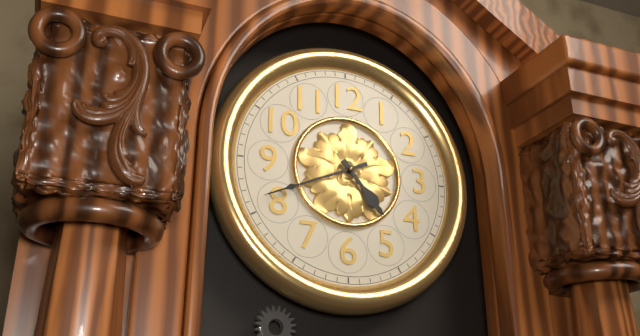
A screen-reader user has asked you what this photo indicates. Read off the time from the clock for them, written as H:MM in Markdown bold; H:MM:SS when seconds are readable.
**4:41**
